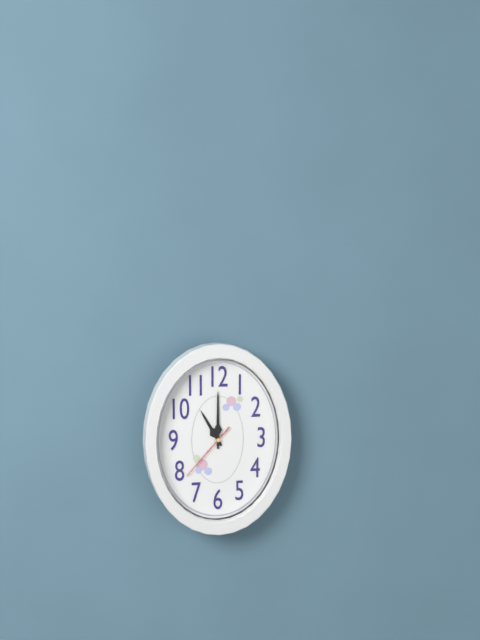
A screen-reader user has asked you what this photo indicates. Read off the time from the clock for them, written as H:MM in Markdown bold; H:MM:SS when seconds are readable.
**11:00:37**
